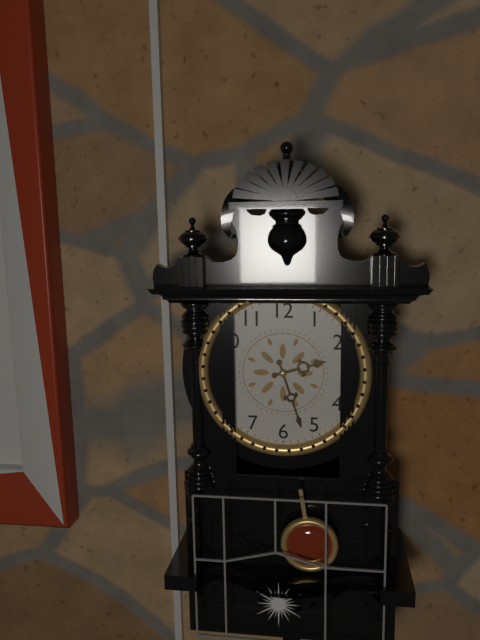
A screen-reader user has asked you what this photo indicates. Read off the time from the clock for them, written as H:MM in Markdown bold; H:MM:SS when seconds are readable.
**2:27**
